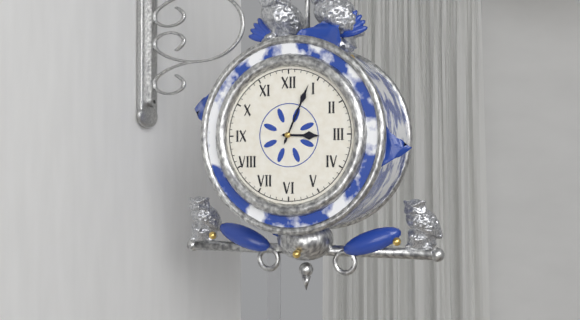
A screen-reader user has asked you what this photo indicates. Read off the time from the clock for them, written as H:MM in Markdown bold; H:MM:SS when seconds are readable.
**3:04**
